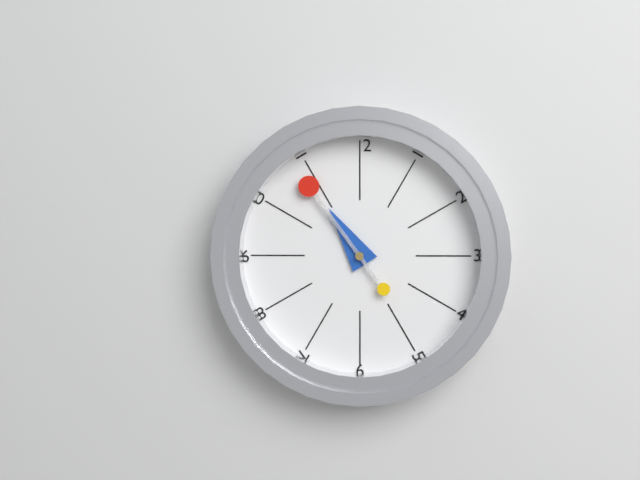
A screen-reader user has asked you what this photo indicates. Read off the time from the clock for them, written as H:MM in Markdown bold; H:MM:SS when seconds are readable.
**10:54**
